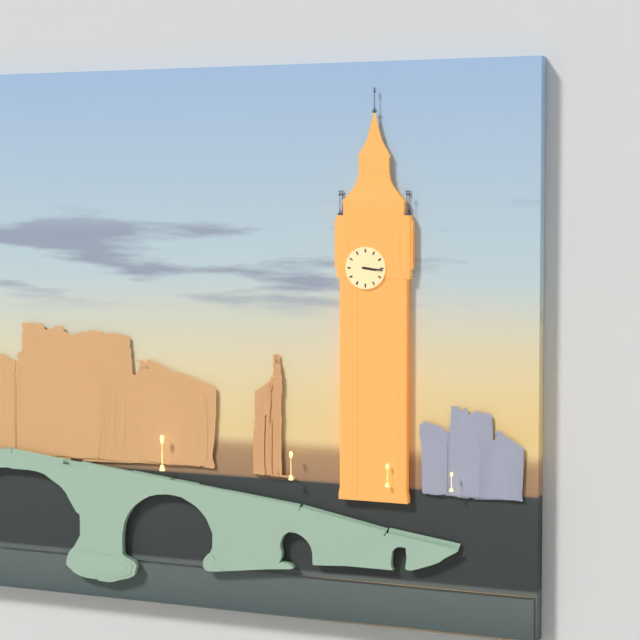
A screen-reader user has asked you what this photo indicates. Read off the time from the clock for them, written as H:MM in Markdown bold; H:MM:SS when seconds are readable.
**3:16**
